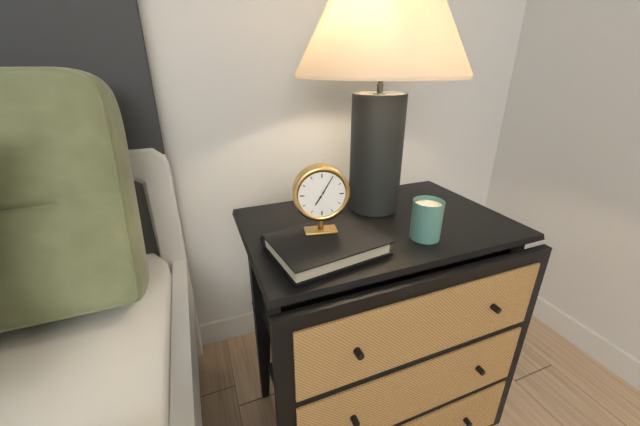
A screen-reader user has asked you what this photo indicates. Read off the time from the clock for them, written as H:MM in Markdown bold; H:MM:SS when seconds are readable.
**7:05**
